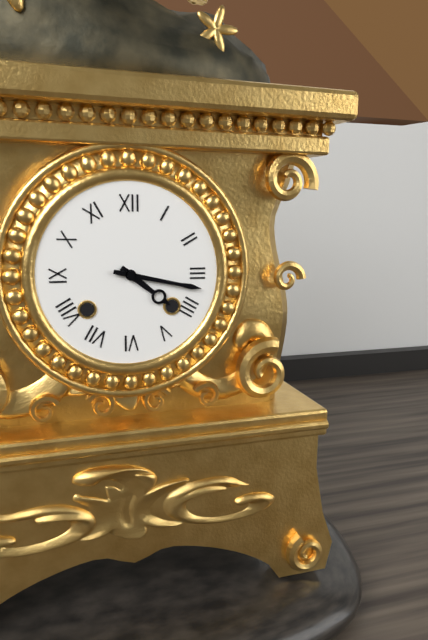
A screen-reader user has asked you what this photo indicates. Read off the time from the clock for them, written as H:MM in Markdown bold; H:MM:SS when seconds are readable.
**4:17**
